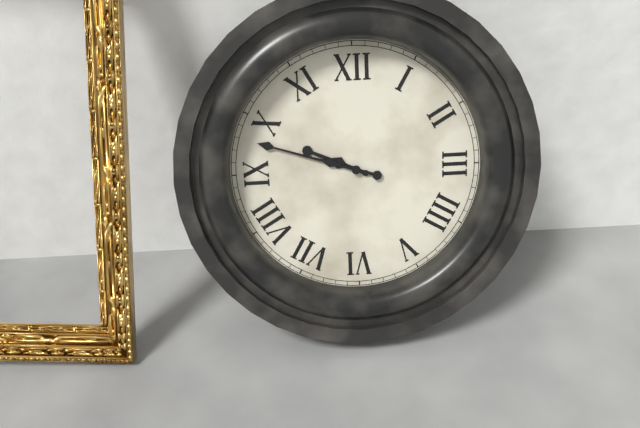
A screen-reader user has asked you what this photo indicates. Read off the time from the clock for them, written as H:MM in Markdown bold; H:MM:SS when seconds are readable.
**9:48**
